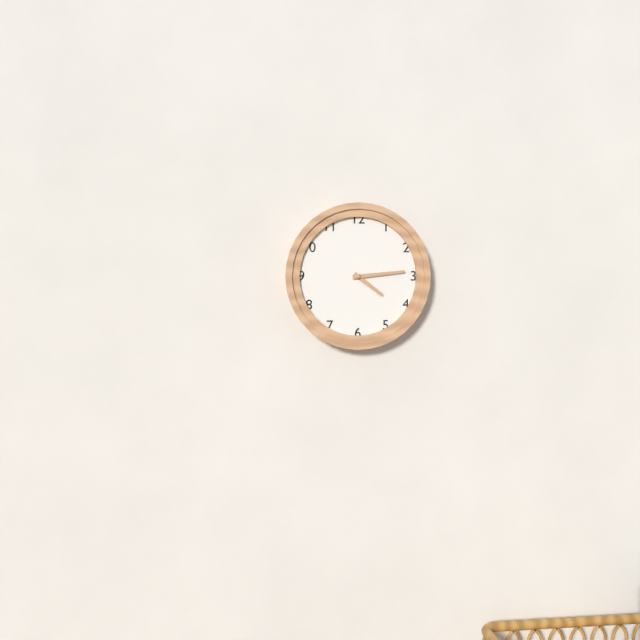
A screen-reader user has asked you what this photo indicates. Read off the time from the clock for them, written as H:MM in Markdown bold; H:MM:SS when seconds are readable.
**4:14**
